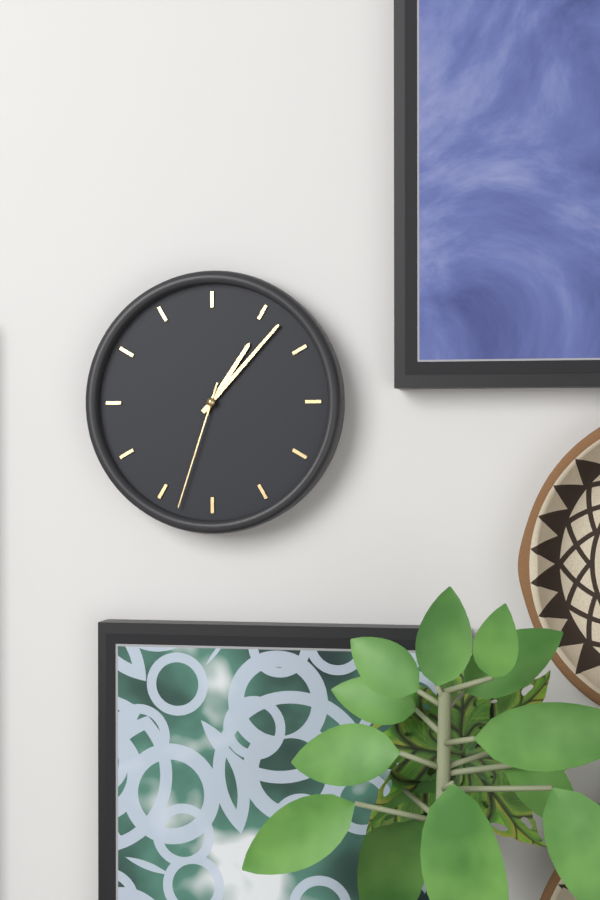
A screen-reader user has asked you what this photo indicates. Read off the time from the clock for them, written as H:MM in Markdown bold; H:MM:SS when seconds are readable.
**1:07:33**
